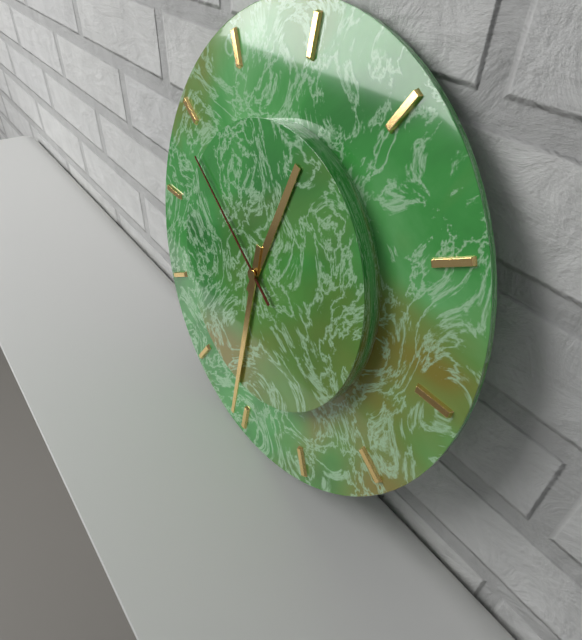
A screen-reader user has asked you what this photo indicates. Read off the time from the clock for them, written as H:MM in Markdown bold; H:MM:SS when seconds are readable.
**12:30:50**
